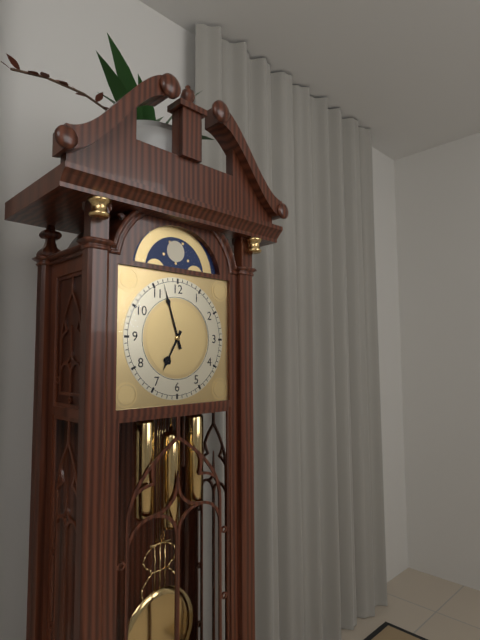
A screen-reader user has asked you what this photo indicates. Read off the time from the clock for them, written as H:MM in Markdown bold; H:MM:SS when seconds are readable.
**6:57**
